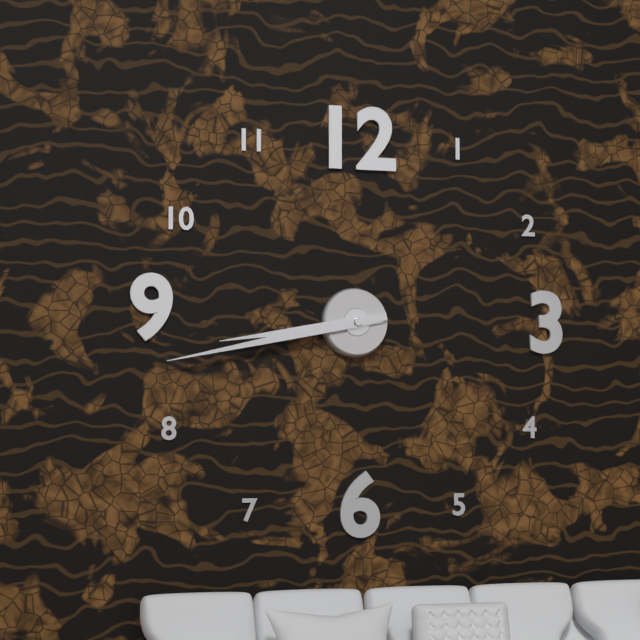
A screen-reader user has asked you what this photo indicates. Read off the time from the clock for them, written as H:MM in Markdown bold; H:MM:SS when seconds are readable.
**8:43**
